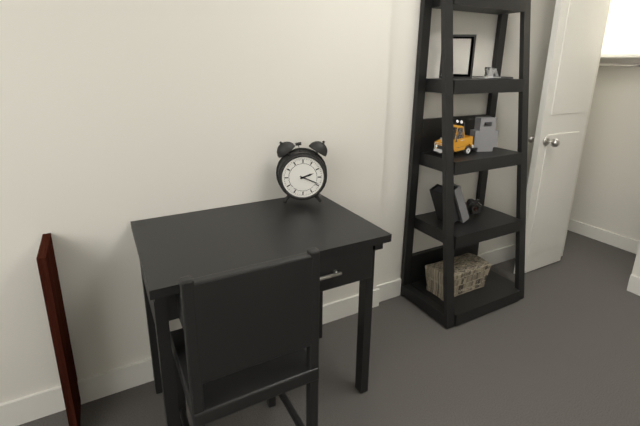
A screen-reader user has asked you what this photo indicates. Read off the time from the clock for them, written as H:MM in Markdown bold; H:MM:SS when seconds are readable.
**2:19**
